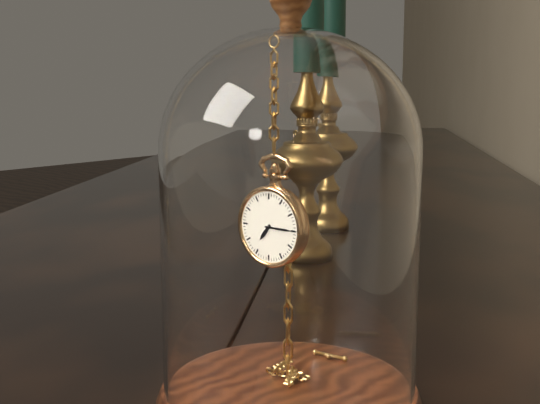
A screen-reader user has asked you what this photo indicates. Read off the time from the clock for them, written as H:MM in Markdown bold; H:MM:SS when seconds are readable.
**7:15**
